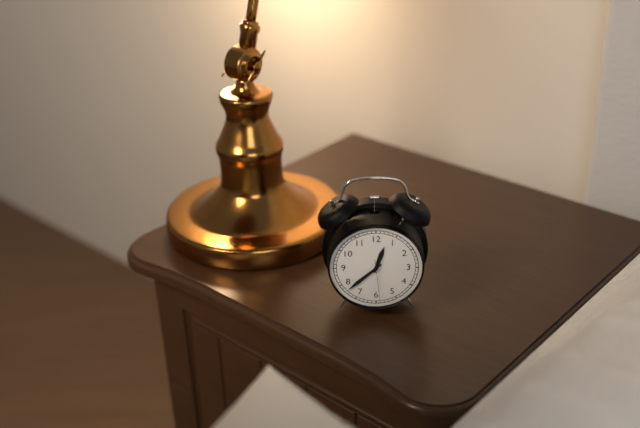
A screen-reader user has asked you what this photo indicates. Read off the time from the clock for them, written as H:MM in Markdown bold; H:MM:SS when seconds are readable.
**12:38:29**
